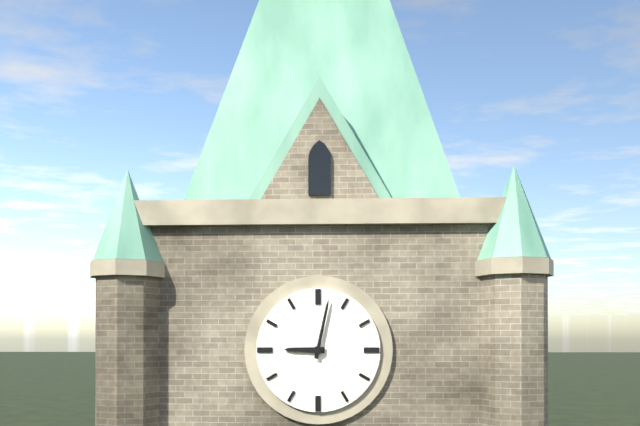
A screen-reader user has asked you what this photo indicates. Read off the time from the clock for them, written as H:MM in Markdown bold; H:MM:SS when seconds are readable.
**9:02**
